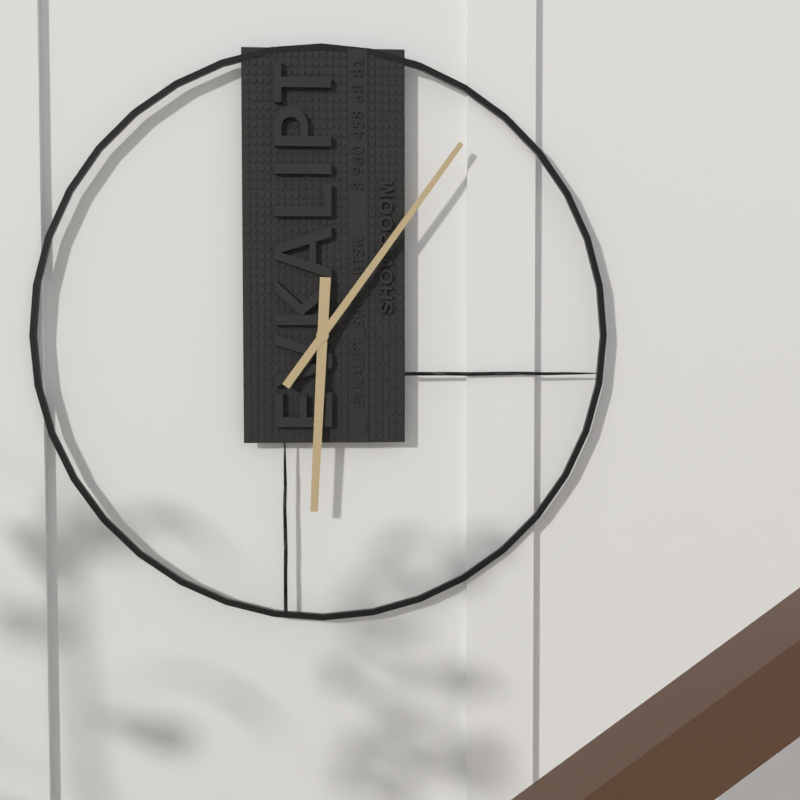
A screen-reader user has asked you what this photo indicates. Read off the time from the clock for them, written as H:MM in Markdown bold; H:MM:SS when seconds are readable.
**6:06**
